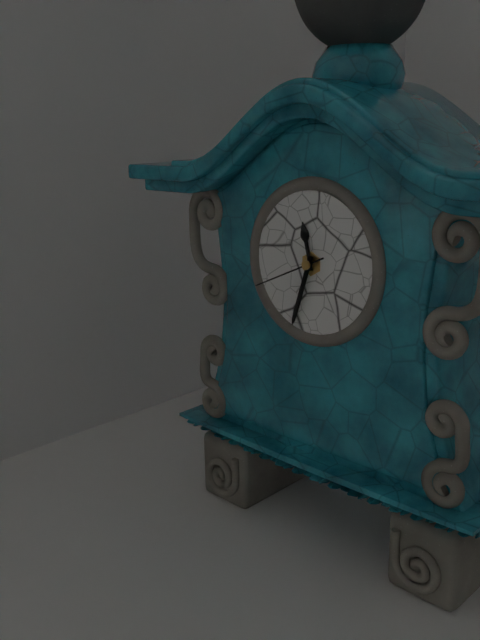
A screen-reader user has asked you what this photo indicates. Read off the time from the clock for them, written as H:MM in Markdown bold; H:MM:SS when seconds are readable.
**11:33:41**
